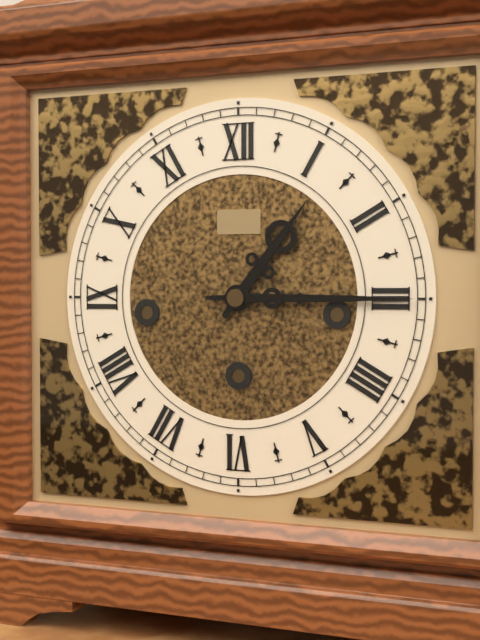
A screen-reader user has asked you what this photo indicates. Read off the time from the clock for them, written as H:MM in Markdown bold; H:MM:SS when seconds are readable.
**1:15**
